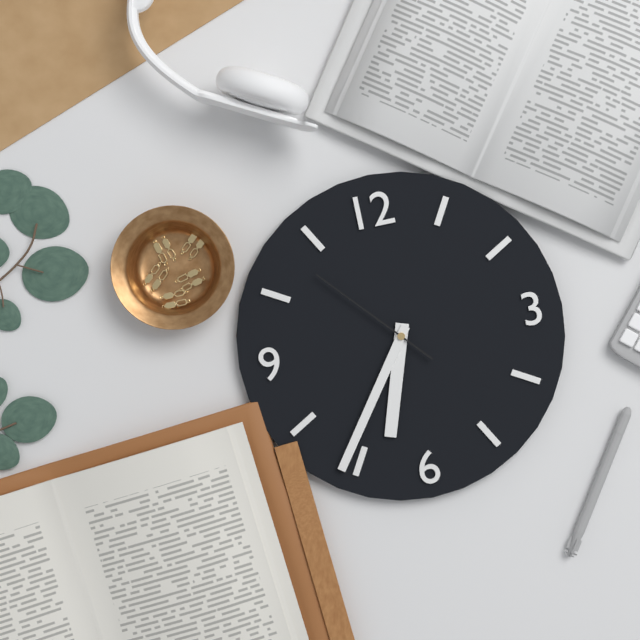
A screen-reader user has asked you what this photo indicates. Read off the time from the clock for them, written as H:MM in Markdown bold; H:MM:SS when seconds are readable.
**6:36:53**
